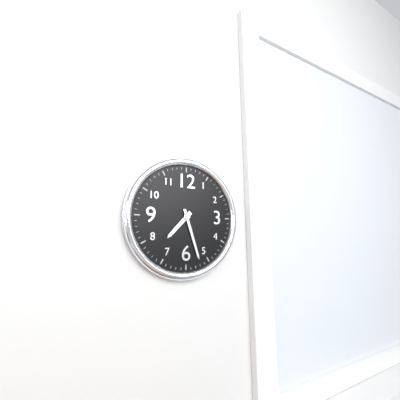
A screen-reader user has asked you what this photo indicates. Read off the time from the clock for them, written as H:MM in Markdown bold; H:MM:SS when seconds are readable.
**7:27**
